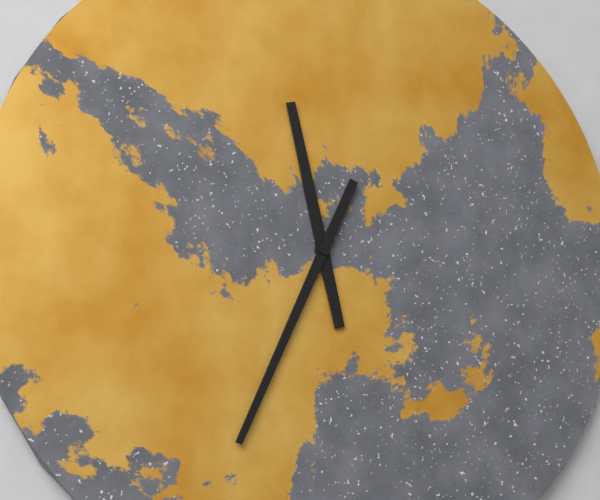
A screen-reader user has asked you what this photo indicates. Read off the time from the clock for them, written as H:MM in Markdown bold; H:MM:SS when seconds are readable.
**11:34**
